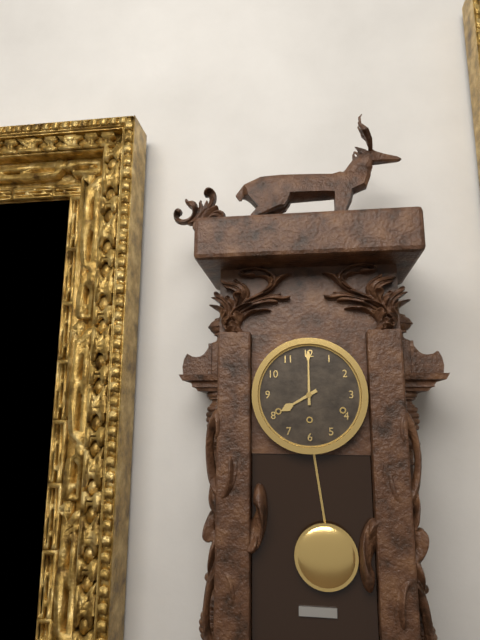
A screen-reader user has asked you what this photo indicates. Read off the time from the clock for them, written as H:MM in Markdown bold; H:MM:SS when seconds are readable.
**8:00**
